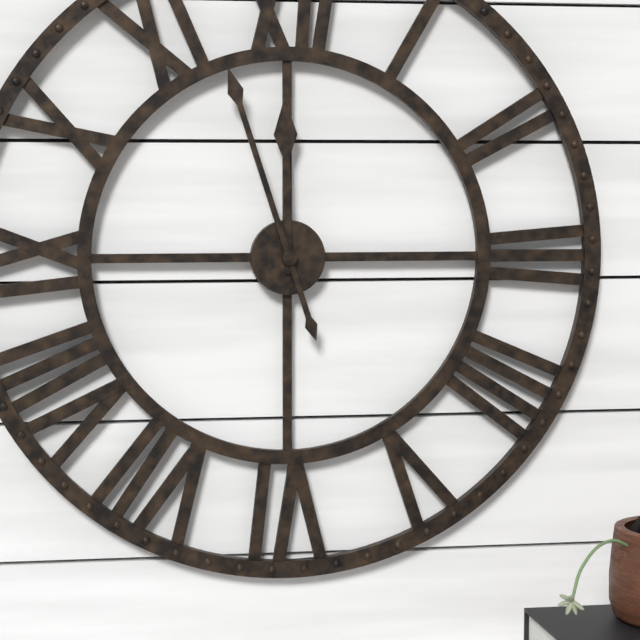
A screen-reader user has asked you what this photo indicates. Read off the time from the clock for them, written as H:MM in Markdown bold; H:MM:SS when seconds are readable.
**11:57**
